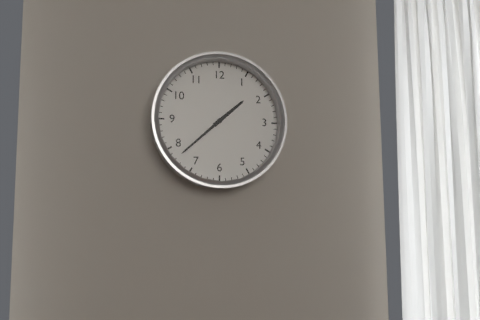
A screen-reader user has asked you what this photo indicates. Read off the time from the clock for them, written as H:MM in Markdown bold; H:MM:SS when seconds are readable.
**1:38**
